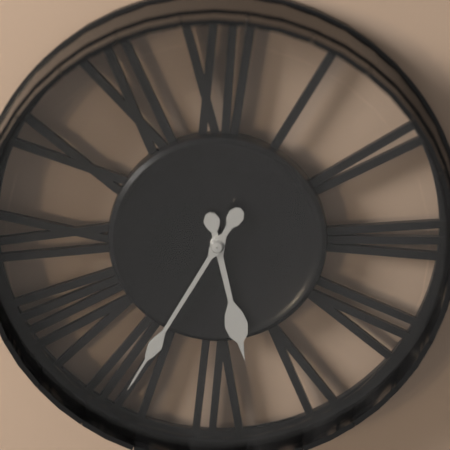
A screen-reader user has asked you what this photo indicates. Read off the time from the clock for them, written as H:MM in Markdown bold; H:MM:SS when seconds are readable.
**5:35**
